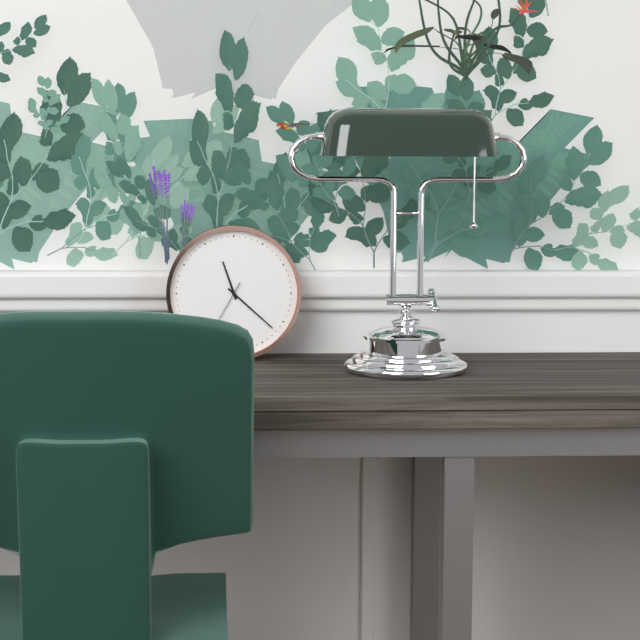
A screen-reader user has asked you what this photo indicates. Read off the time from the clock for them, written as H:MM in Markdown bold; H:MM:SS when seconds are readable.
**11:22**
